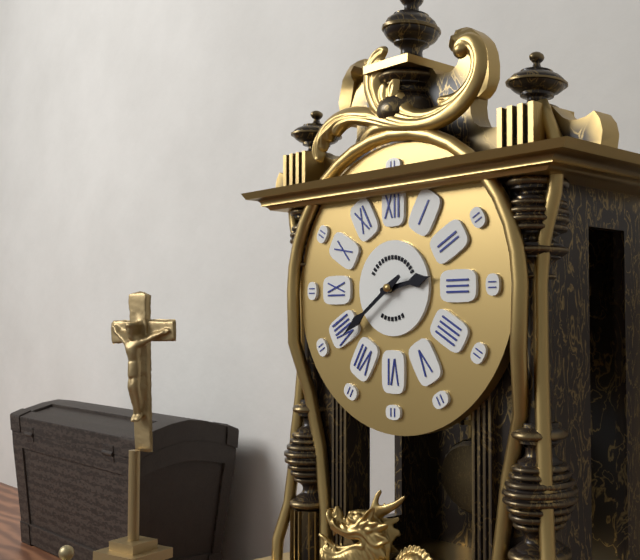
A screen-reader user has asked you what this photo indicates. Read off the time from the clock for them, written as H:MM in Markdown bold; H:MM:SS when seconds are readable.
**2:39**
